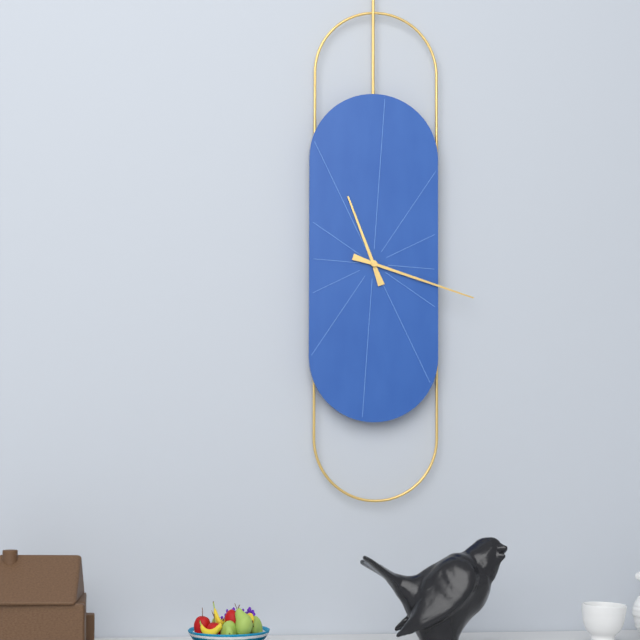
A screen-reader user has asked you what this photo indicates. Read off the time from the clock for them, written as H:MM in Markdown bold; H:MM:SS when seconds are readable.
**11:18**
